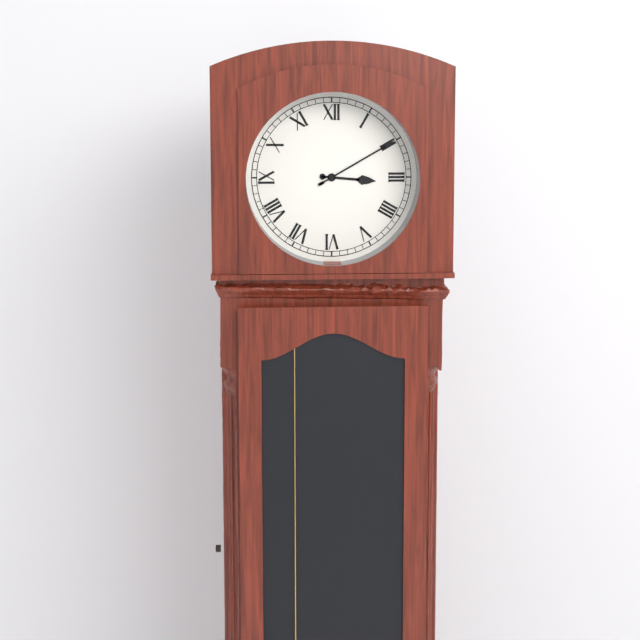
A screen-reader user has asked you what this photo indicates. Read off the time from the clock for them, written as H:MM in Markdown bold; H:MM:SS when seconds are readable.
**3:10**
